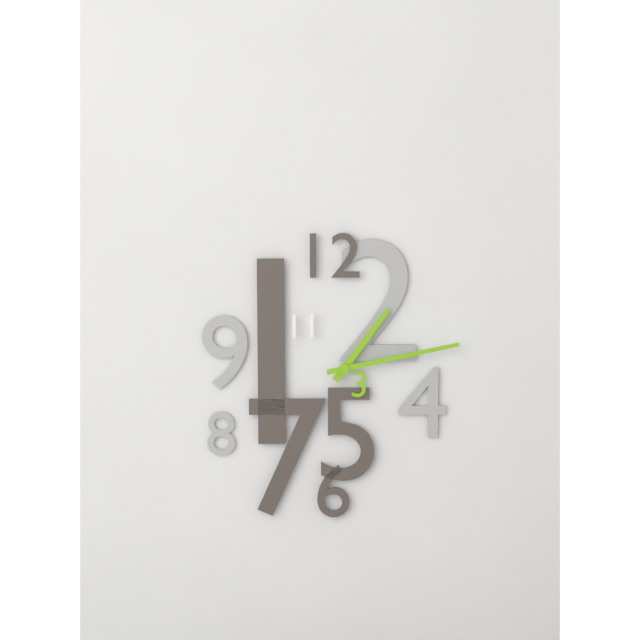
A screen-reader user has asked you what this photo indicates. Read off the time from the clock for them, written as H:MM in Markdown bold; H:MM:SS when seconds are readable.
**1:13**
